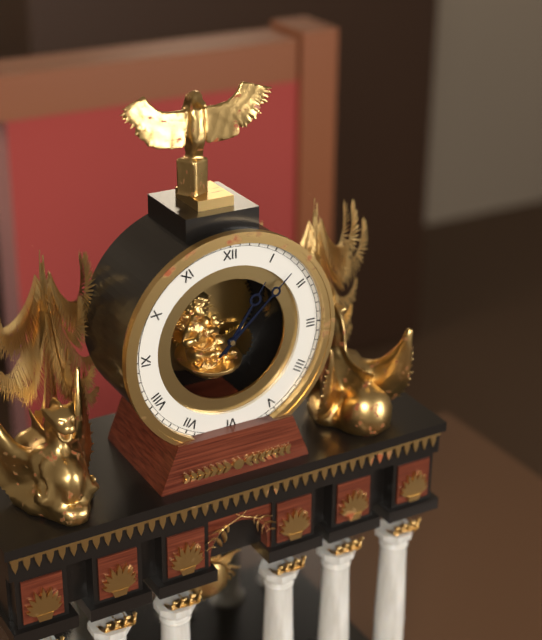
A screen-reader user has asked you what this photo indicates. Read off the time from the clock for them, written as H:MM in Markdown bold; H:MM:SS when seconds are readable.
**1:08**
